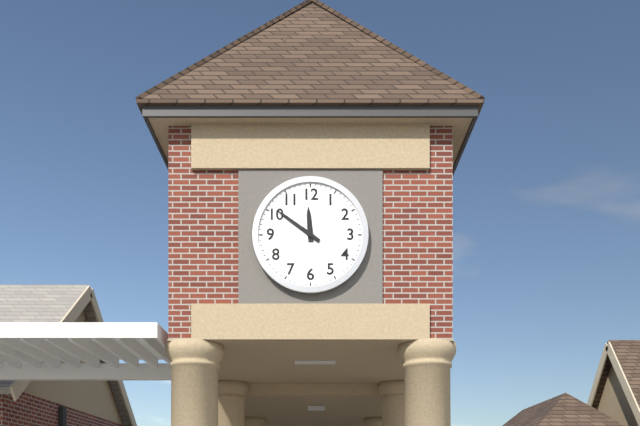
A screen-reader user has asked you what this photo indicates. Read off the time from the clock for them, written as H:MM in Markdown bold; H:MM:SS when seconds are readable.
**11:51**
